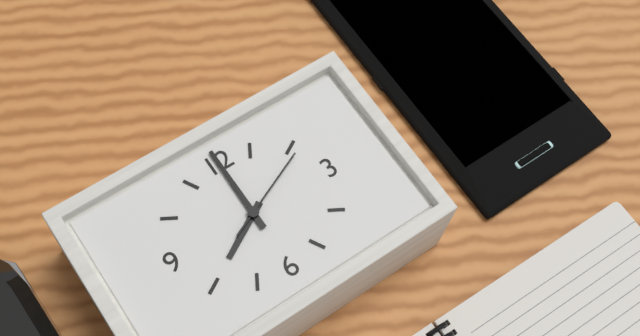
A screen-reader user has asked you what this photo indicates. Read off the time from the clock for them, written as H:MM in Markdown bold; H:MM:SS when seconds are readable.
**8:00:11**
